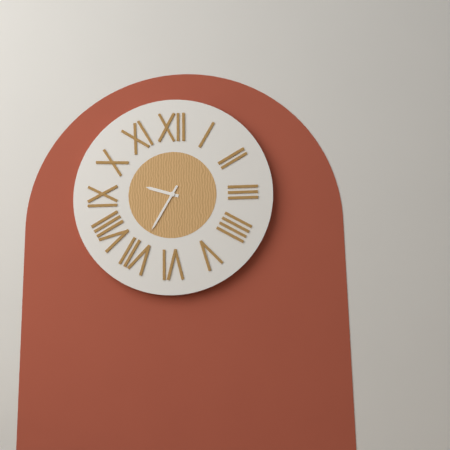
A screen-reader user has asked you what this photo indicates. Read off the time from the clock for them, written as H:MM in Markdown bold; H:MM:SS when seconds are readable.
**9:35**
